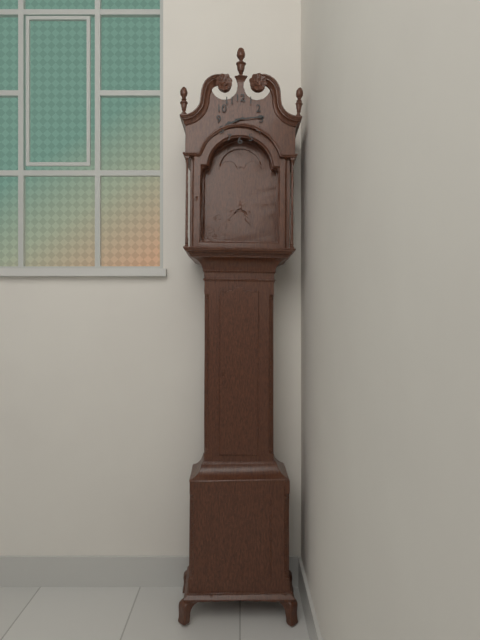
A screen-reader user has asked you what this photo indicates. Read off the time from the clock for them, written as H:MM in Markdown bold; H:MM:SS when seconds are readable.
**8:14**
